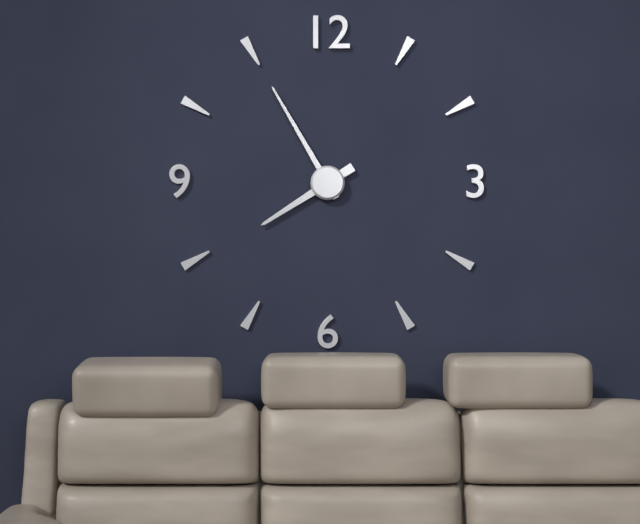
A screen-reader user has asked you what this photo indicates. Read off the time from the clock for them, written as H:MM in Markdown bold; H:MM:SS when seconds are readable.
**7:55**
